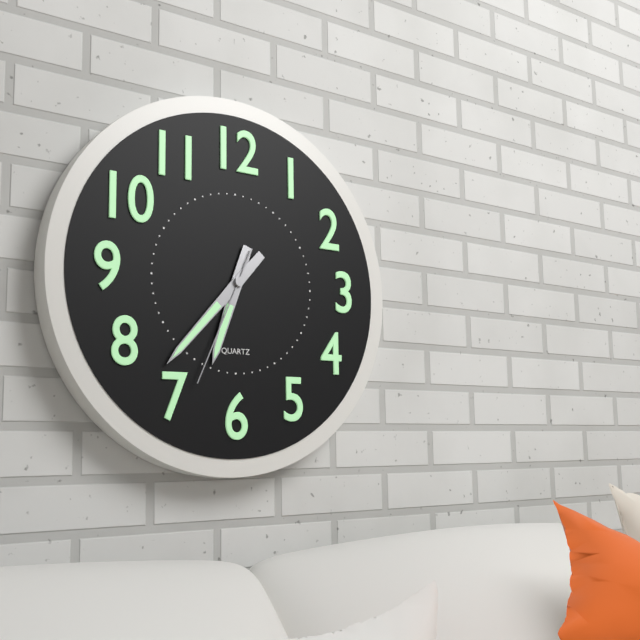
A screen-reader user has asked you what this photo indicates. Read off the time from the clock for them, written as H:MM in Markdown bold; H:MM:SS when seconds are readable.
**6:37:34**
